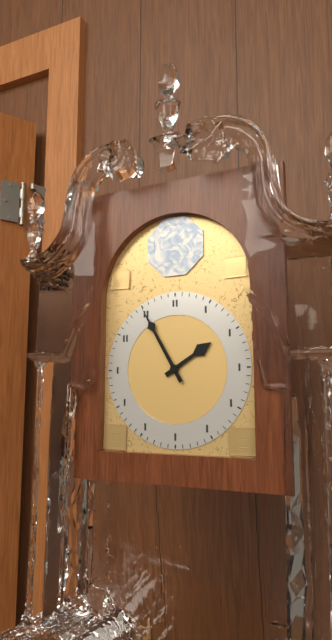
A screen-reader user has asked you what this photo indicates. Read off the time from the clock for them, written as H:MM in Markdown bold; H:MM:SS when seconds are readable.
**1:55**
